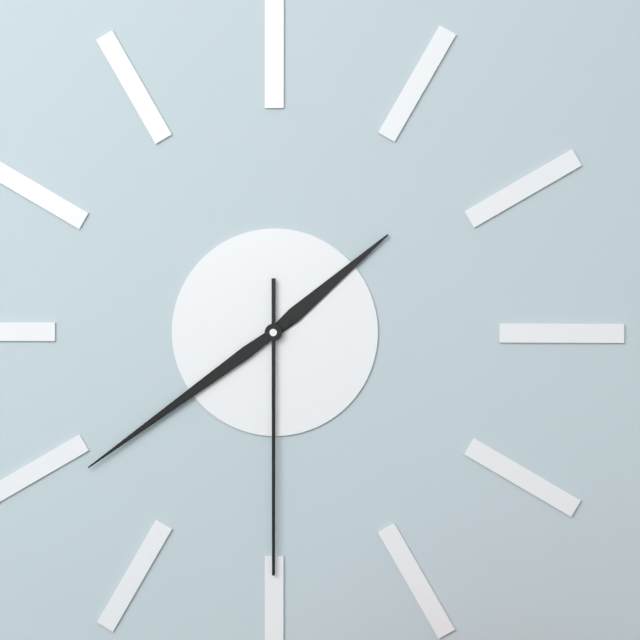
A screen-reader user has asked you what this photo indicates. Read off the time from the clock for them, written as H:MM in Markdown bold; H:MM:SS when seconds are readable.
**1:39:30**
